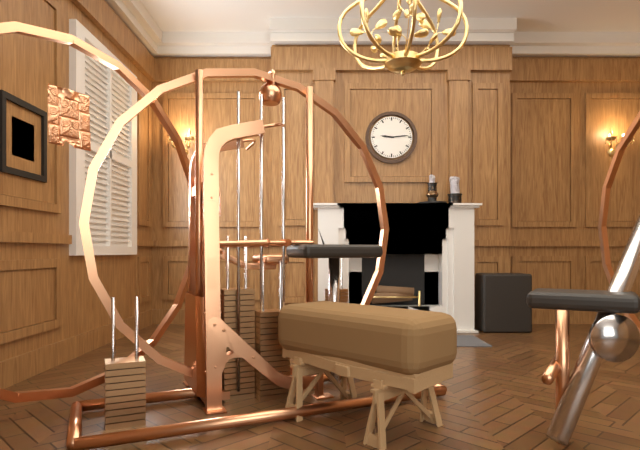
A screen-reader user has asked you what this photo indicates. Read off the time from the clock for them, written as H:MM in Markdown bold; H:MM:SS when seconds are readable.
**9:14**
